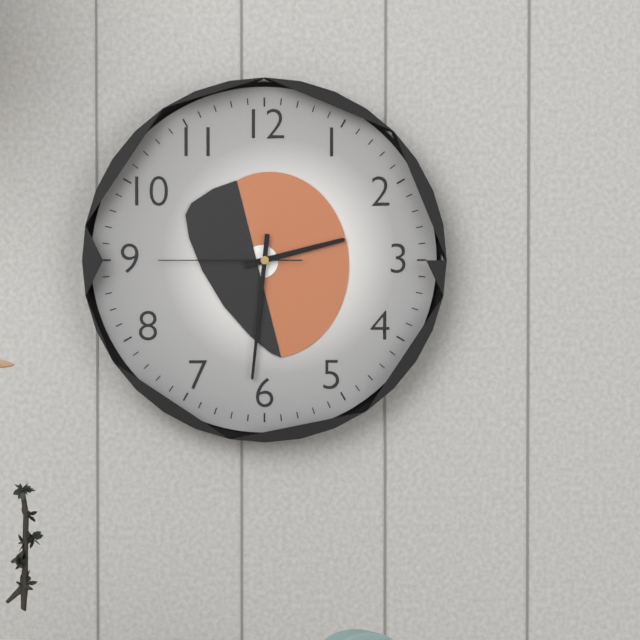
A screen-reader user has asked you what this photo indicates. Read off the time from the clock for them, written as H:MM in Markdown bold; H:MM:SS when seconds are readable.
**2:31:45**
